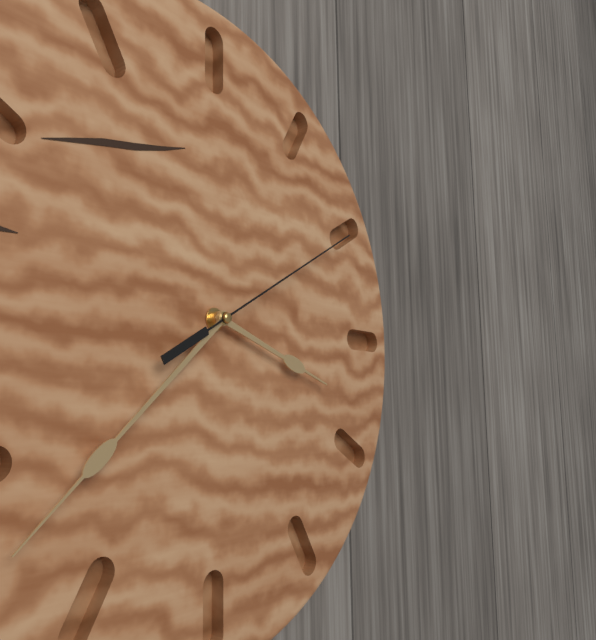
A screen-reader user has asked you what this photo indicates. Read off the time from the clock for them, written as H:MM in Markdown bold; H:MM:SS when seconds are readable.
**3:38:10**
